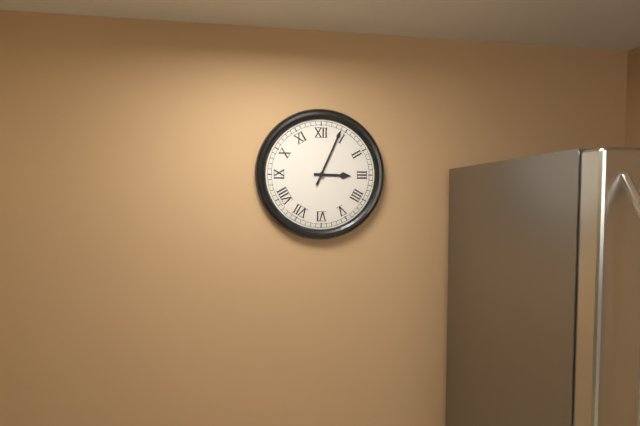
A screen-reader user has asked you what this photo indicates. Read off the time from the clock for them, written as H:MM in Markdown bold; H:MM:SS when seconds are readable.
**3:04**
